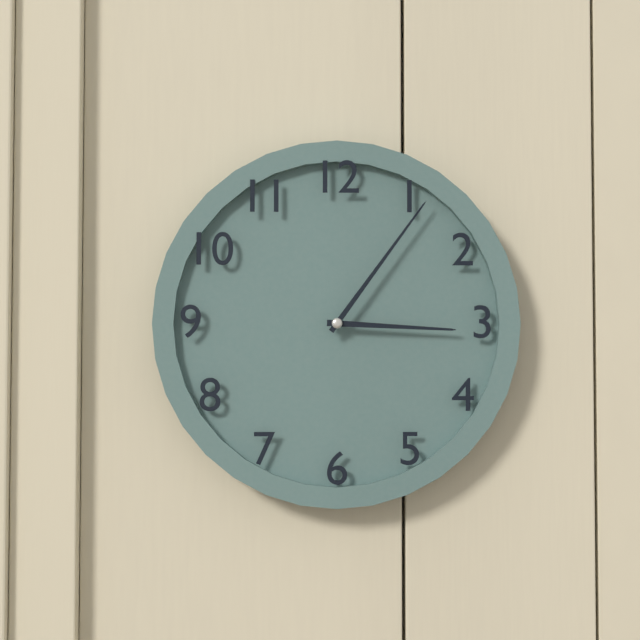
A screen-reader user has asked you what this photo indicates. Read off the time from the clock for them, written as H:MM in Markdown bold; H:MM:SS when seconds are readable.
**3:06**
